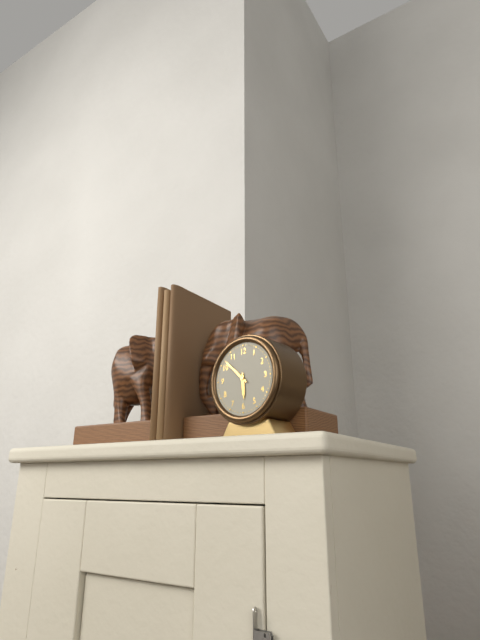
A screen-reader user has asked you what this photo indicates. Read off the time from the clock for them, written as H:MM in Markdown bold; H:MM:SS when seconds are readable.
**5:52**
